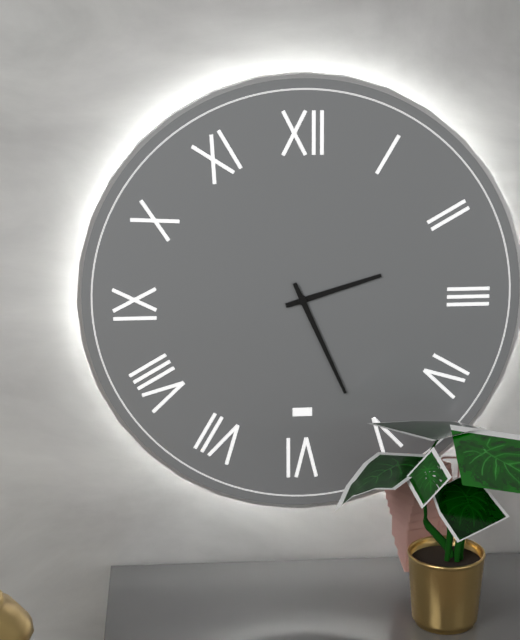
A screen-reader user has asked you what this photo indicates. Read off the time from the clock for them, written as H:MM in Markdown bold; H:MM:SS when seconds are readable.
**2:26**
